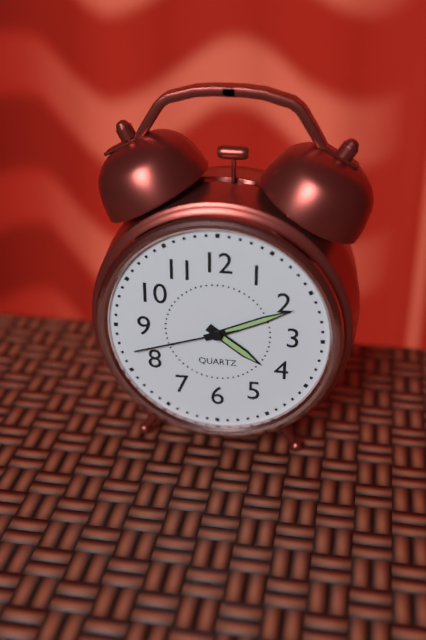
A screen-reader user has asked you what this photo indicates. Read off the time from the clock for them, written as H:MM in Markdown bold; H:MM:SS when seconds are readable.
**4:11:42**
